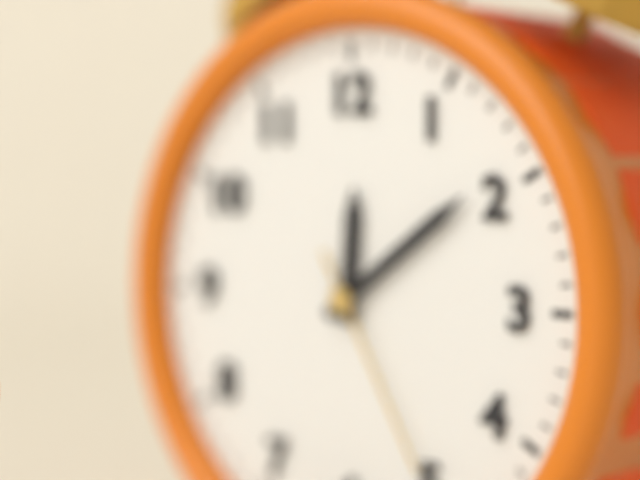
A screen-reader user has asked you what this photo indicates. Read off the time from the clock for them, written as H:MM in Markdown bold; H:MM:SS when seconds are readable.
**12:09:25**
